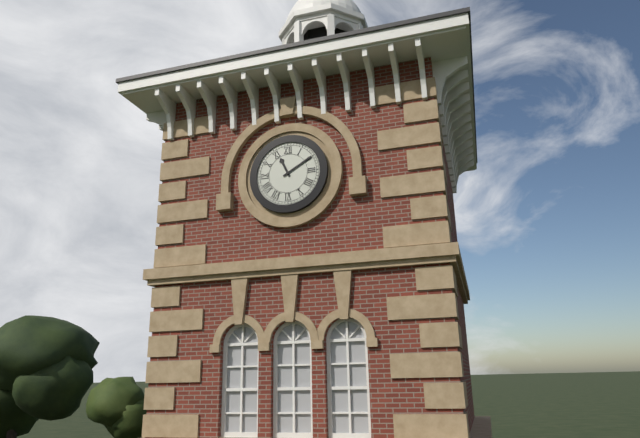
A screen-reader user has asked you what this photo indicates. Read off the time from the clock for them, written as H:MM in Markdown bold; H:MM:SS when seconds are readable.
**11:10**
